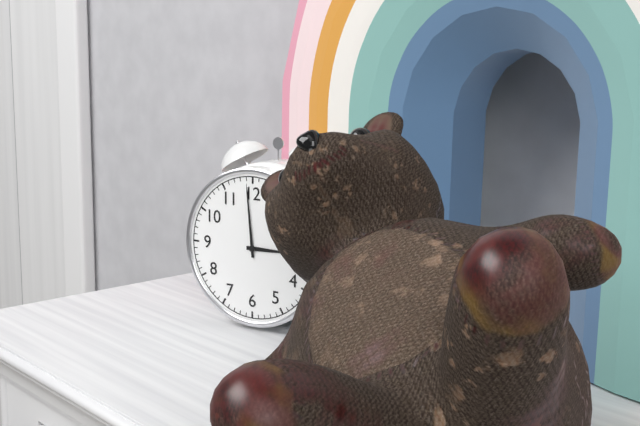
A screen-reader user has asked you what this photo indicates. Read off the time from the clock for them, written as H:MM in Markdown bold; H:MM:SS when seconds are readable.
**2:59**
